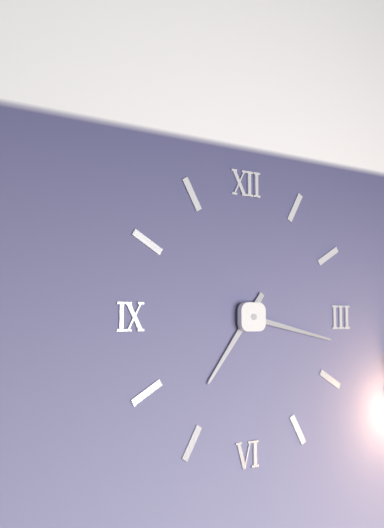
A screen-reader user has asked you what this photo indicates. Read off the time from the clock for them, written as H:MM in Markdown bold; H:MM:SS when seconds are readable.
**7:17**
